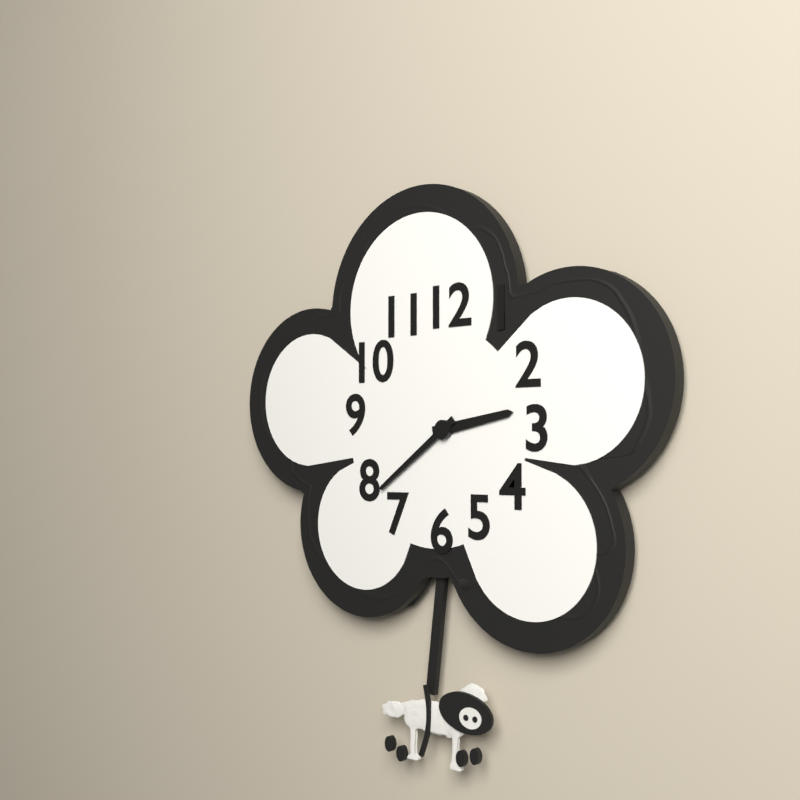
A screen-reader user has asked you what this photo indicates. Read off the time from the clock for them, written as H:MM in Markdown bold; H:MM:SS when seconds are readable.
**2:39**
